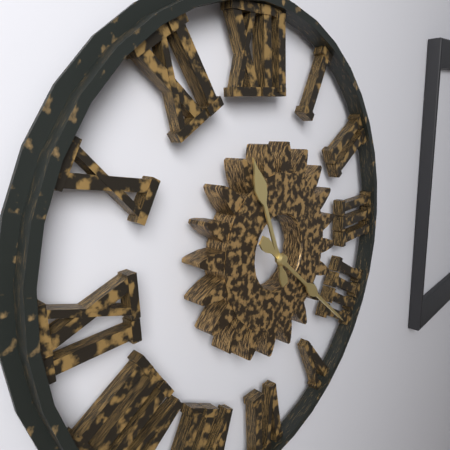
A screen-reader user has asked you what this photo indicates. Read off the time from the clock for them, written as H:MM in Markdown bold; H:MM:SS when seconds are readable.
**11:22**
